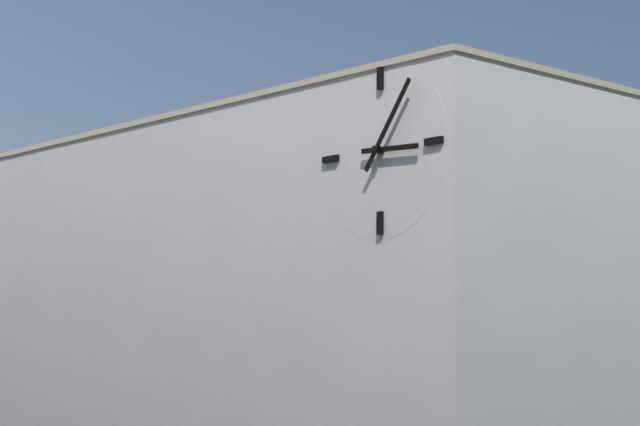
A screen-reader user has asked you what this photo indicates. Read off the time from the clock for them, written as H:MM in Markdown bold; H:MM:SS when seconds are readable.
**3:06**
